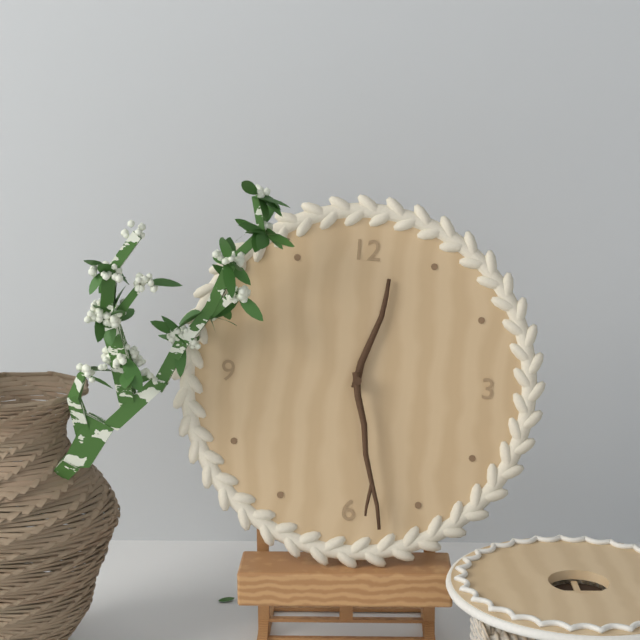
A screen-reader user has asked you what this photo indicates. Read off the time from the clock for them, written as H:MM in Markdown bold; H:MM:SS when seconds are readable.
**12:28**
